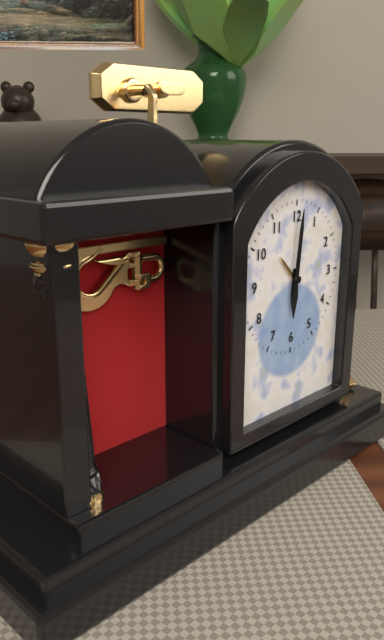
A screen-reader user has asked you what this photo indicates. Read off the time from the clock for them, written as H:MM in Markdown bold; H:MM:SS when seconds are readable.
**6:01**
